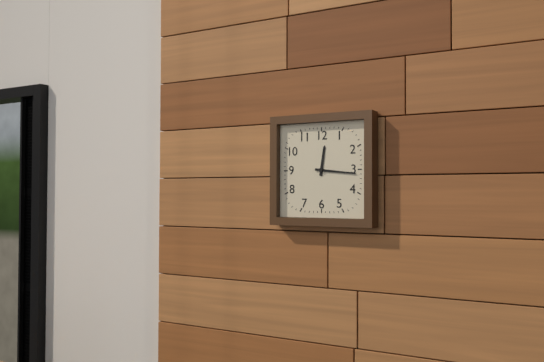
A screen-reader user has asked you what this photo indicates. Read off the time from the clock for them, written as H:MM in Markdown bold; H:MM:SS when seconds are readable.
**12:16**
